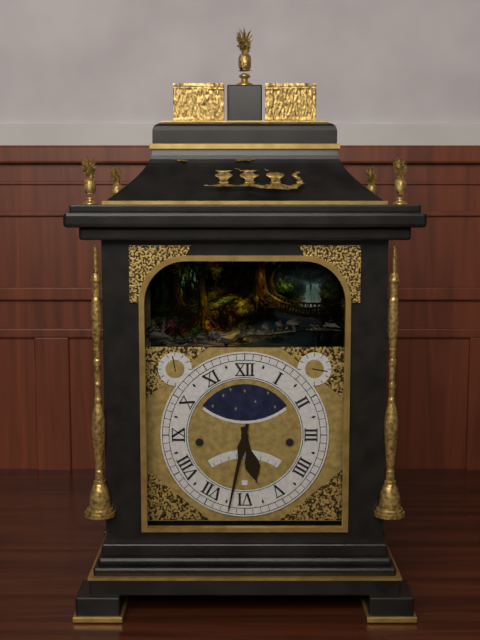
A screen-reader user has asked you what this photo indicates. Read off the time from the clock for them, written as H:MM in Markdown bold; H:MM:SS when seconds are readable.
**5:32**
